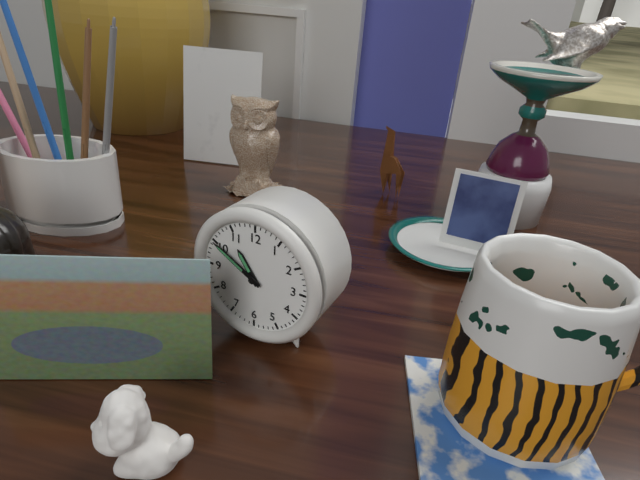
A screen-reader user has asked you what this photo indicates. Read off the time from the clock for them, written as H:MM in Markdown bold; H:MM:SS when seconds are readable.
**10:50**
